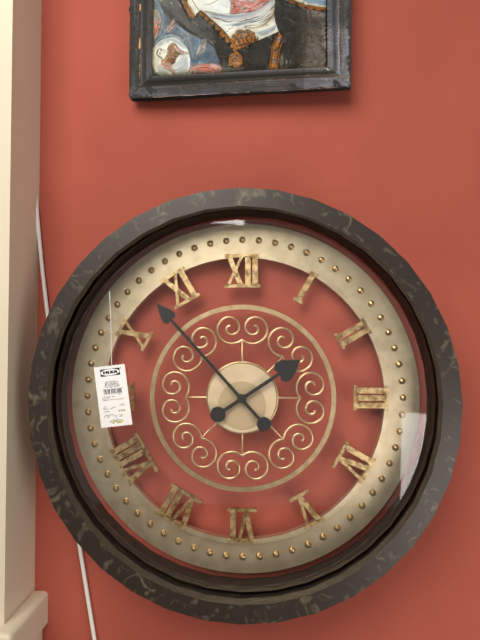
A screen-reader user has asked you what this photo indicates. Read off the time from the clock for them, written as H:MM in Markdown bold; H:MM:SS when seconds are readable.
**1:53**
